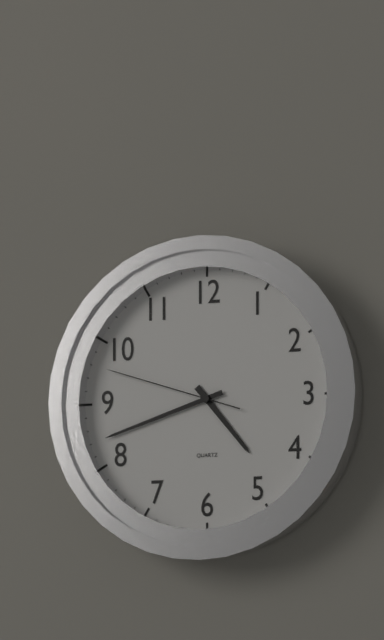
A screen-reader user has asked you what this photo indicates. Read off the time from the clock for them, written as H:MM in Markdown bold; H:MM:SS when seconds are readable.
**4:42:48**
